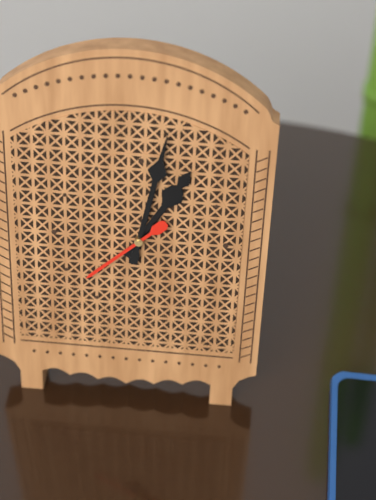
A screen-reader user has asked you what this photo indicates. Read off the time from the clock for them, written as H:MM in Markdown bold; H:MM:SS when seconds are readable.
**1:02:38**
